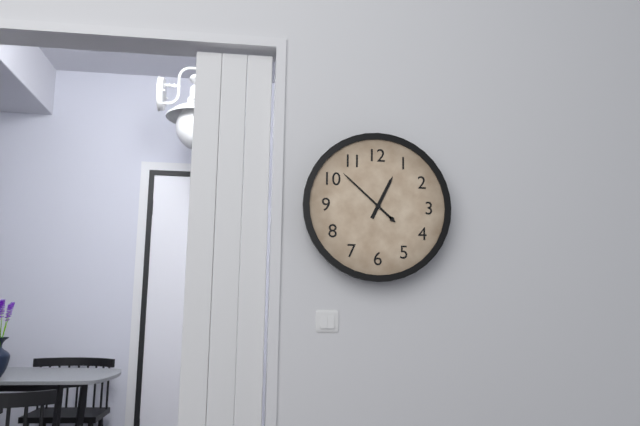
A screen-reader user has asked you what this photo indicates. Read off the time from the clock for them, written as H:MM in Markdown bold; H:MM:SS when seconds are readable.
**12:52**
